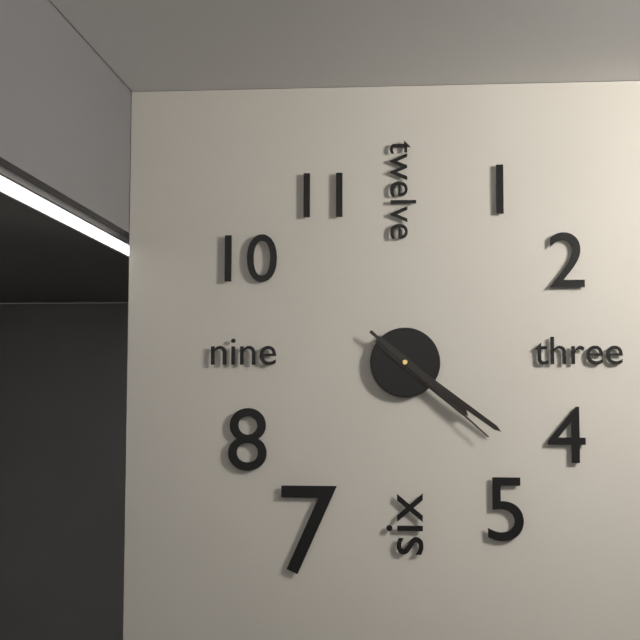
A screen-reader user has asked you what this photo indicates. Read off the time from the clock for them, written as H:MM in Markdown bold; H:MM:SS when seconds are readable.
**4:21:22**
